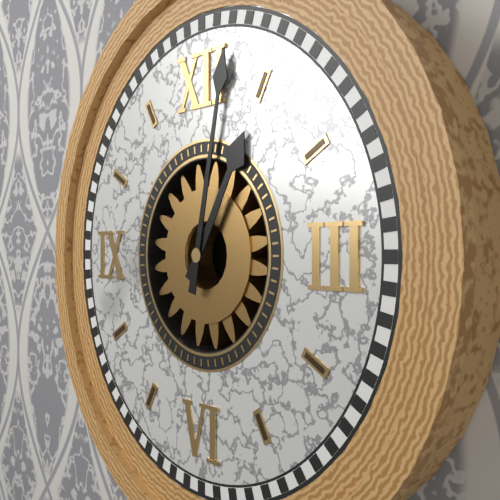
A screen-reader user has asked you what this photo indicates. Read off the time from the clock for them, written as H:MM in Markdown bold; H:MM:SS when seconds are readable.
**1:02**
